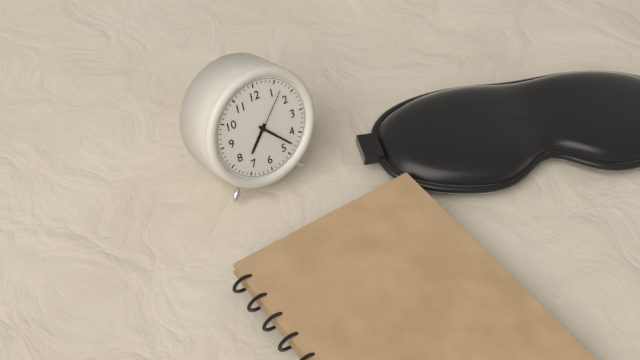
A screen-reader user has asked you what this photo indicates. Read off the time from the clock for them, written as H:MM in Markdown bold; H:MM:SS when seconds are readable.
**7:23:07**
